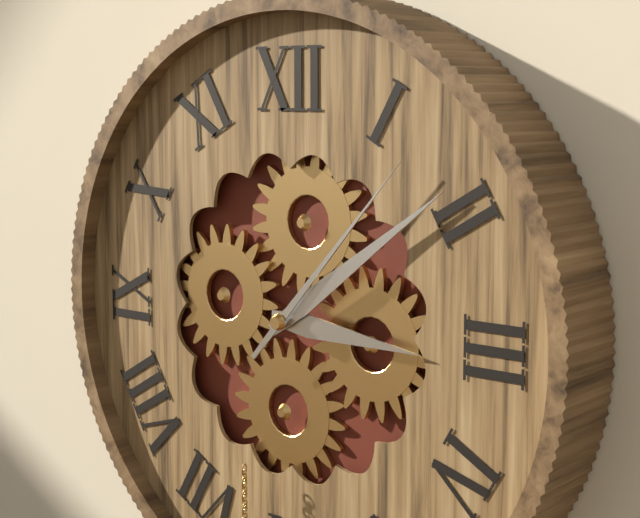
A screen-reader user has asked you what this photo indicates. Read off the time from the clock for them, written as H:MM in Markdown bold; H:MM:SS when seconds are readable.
**3:09:07**
